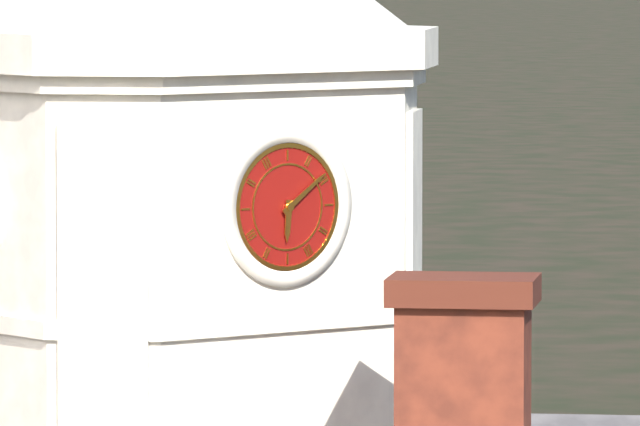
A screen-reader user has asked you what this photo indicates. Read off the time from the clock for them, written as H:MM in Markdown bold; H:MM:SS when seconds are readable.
**6:09**
